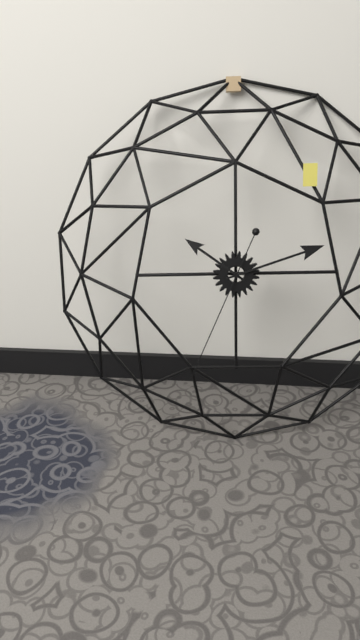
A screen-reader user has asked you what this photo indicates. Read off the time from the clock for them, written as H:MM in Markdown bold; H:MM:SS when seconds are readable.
**10:12:34**
